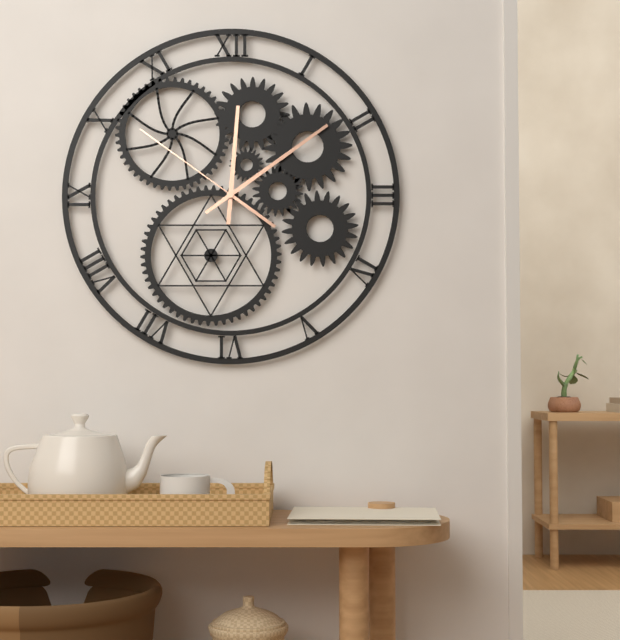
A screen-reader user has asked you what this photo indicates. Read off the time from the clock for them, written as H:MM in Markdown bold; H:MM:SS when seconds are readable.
**12:09:51**
